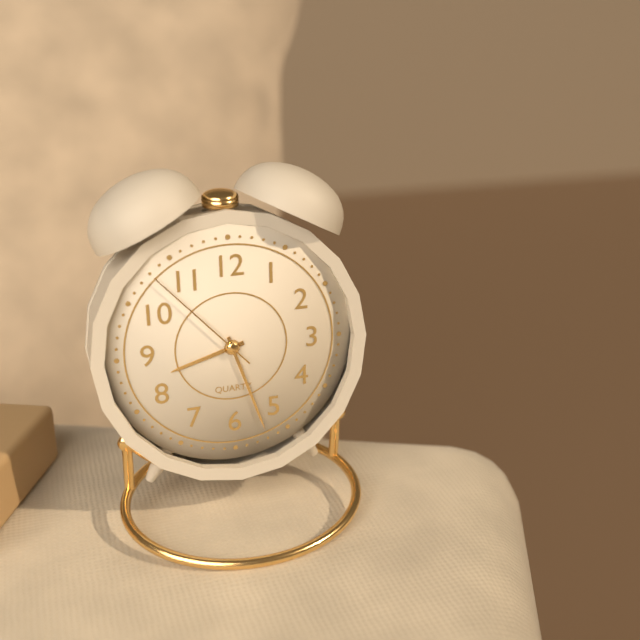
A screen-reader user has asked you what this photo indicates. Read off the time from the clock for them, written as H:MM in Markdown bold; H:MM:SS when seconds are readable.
**8:27:53**
